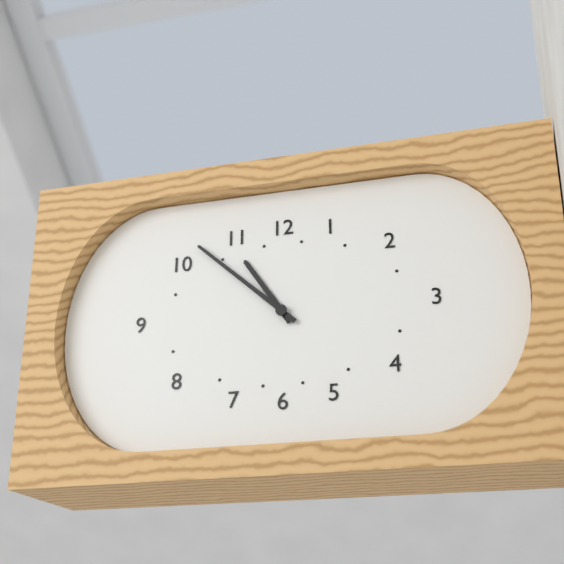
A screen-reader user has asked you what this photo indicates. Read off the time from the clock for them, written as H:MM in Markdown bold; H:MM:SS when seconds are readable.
**10:52**
